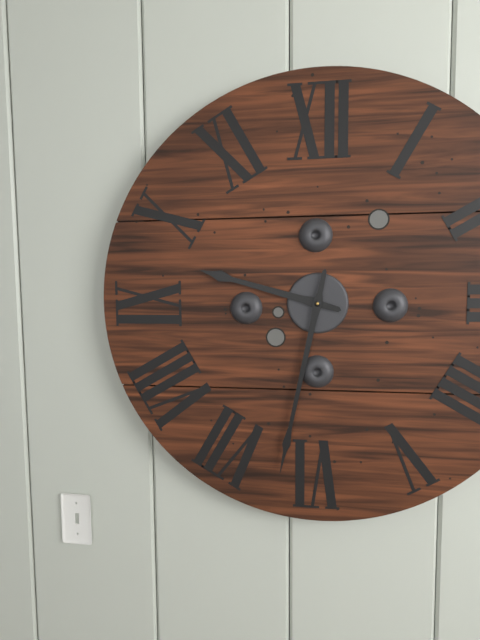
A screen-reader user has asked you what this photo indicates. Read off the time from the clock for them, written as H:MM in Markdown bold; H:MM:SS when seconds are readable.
**9:32**
